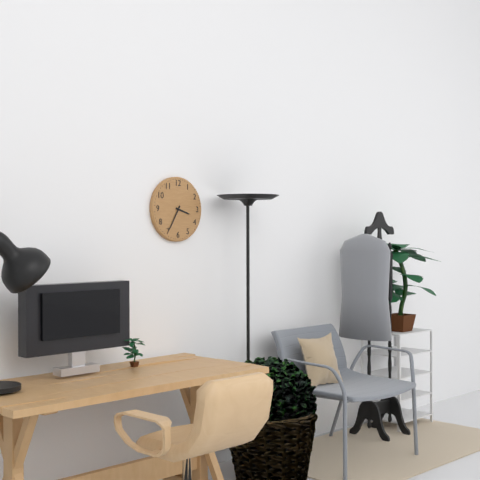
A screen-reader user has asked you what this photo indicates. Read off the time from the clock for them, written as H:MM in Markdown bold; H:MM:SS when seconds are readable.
**3:35**
